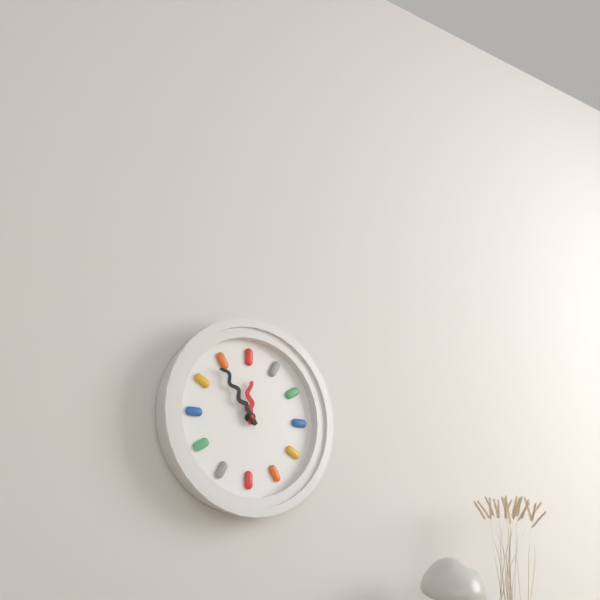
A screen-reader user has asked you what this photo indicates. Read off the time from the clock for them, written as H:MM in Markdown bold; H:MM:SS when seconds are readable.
**11:54**
